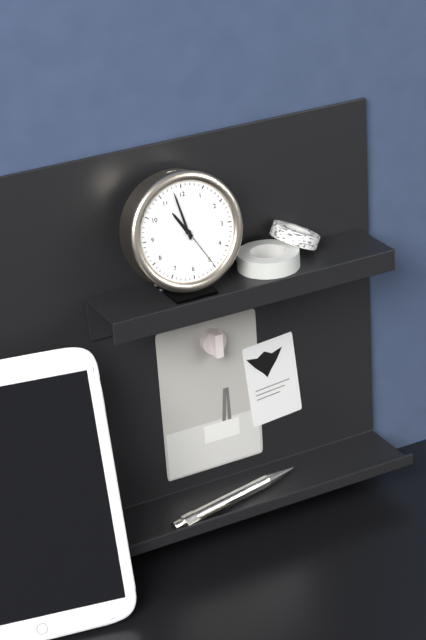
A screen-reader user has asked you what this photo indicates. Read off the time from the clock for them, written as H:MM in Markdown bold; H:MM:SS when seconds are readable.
**10:58:25**
